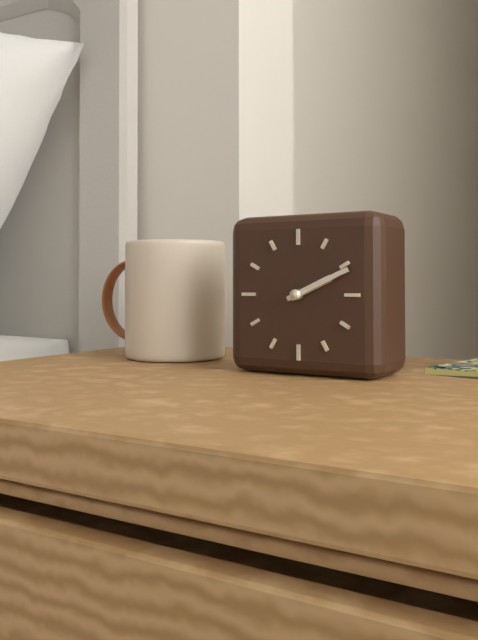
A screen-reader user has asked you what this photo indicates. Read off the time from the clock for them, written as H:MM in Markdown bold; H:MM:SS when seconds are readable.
**2:11**
